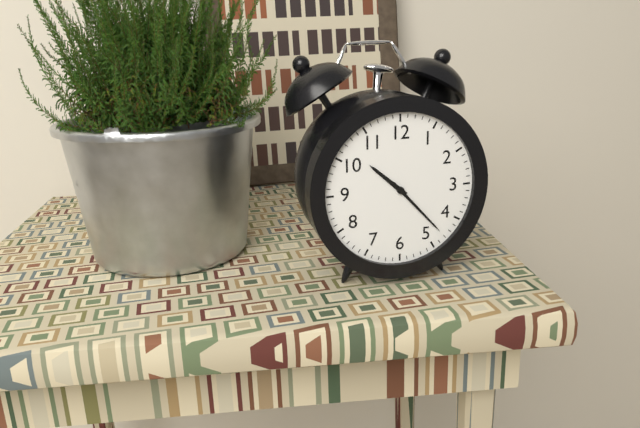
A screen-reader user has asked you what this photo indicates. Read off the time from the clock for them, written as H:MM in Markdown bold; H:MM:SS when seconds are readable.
**10:23**
